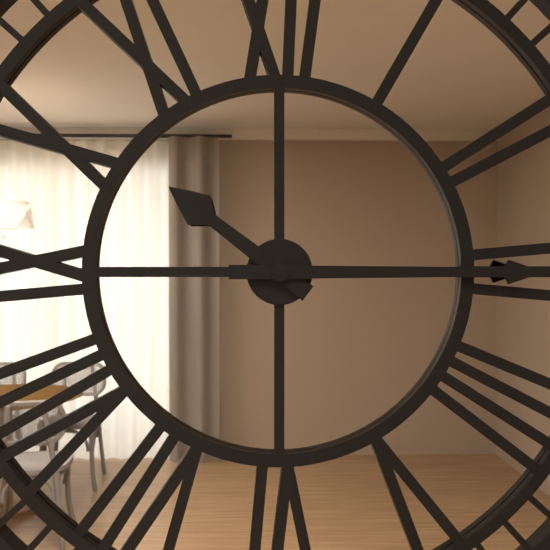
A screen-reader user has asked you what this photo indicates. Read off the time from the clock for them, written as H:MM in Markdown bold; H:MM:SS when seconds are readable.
**10:15**
